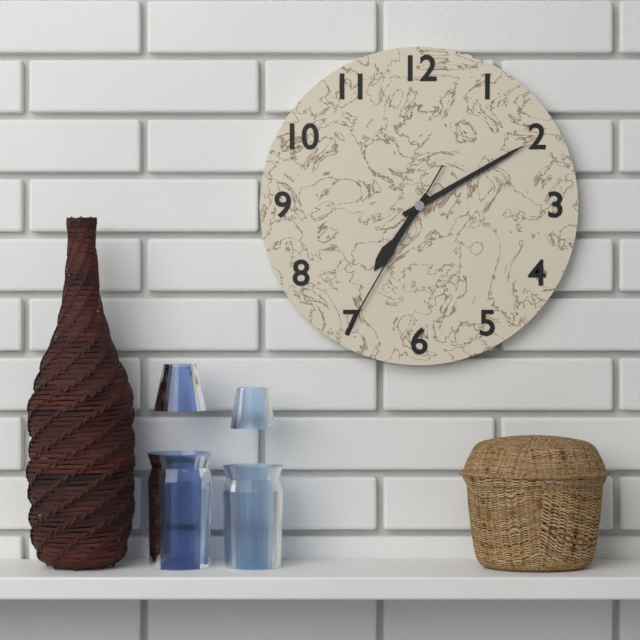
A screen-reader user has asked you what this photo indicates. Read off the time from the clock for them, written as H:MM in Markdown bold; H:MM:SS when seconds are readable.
**7:10:35**
